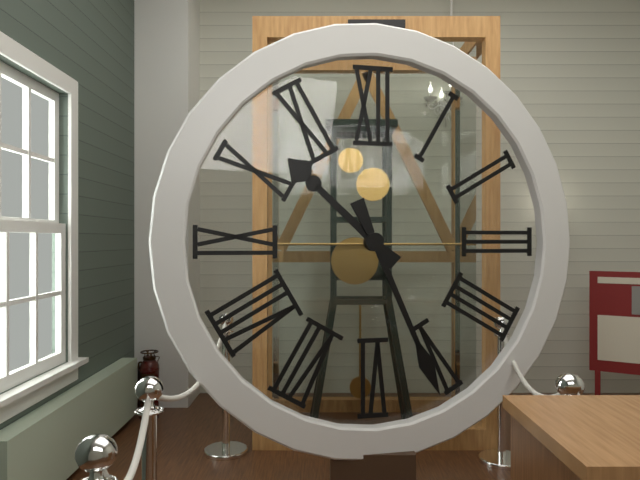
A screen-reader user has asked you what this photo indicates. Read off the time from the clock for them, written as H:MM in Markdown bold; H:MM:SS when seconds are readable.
**10:26**
